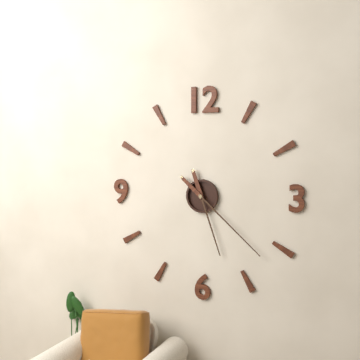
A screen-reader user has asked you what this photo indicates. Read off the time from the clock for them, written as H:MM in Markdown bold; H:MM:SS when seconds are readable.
**5:22**
